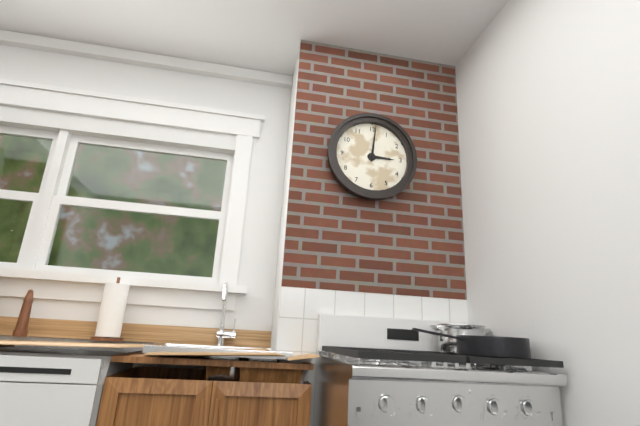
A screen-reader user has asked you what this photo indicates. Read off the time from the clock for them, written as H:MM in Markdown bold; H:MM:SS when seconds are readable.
**3:01**
